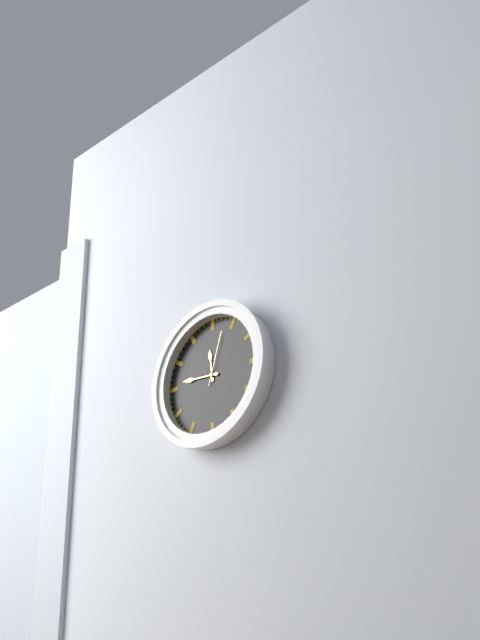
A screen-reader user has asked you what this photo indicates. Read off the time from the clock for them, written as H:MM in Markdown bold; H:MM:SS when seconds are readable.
**11:46:03**
